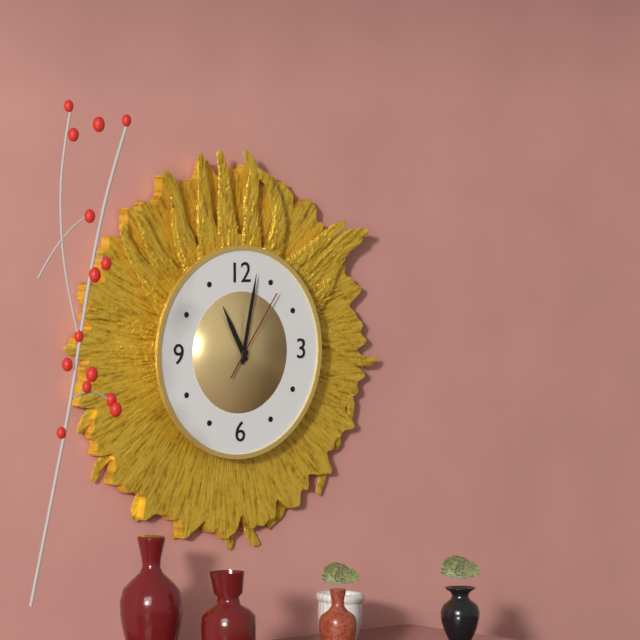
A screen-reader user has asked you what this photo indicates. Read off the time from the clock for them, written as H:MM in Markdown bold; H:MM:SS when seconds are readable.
**11:02:06**
